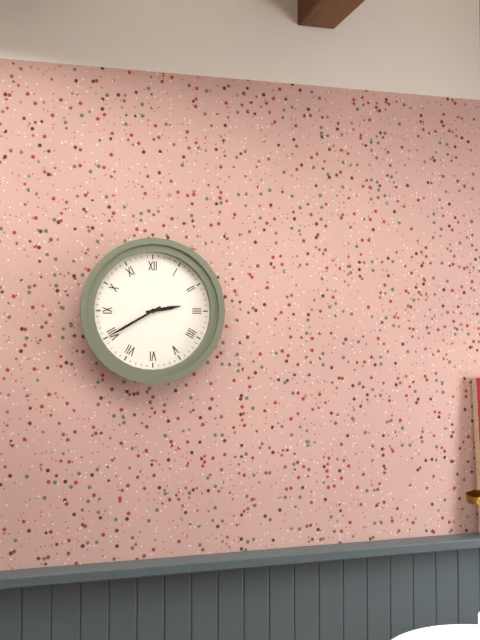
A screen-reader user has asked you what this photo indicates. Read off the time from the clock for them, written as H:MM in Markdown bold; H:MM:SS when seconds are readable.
**2:40**
